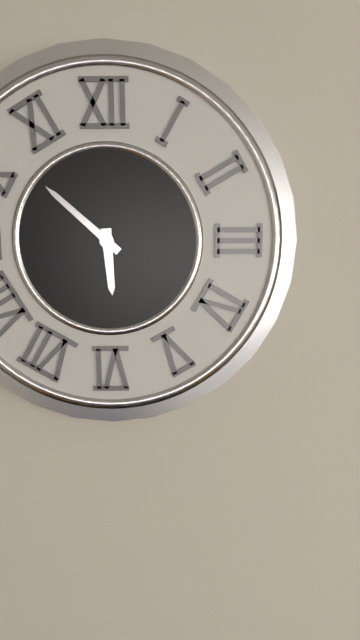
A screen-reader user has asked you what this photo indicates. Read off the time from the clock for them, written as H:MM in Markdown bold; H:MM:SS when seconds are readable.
**5:52**
